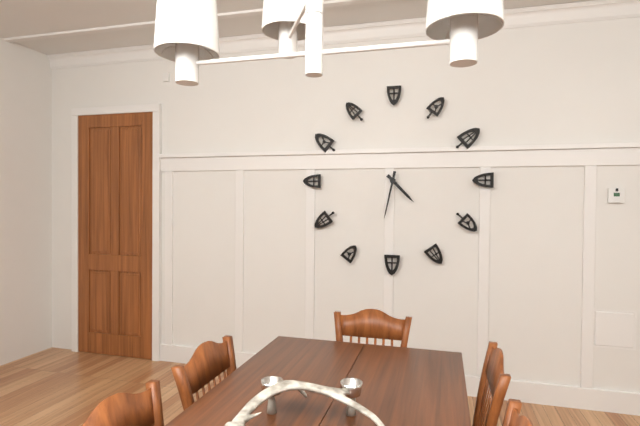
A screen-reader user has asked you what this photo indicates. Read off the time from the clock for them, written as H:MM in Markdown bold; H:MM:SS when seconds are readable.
**4:32**
